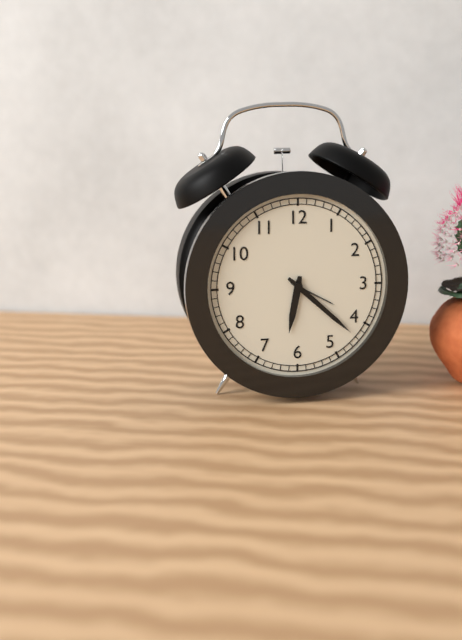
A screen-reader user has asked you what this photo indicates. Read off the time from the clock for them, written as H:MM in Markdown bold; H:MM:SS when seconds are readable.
**6:22**
